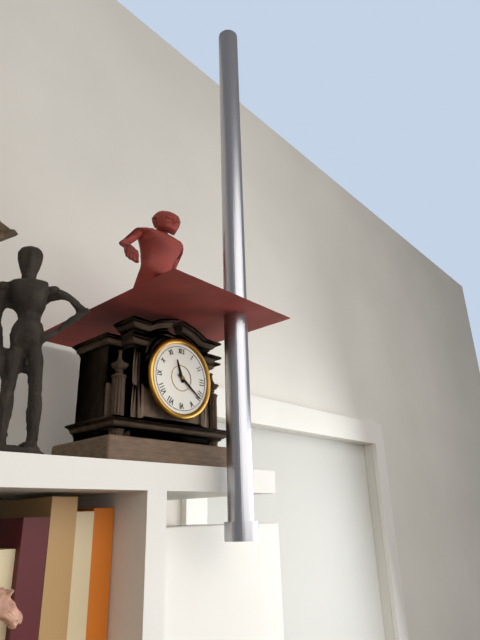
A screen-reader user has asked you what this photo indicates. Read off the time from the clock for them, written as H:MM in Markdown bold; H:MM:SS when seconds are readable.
**11:21**
